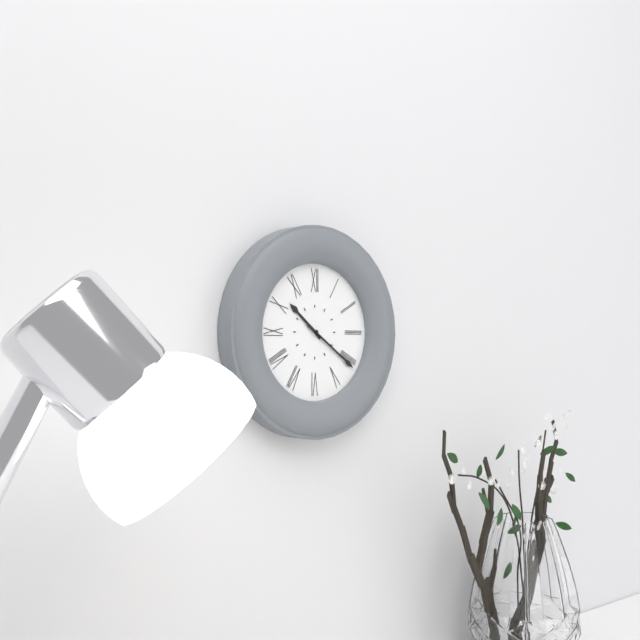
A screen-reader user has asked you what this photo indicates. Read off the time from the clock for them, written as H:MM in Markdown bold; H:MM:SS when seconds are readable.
**10:21**
